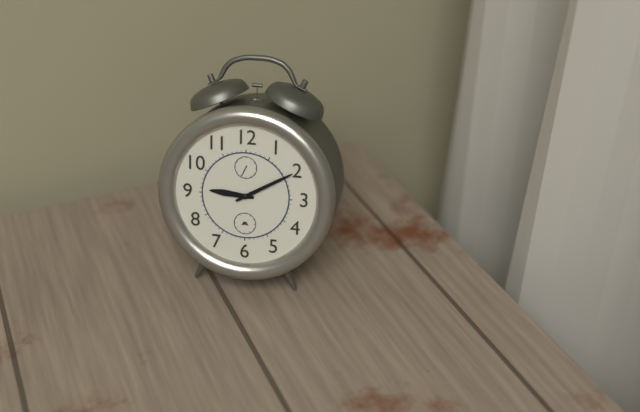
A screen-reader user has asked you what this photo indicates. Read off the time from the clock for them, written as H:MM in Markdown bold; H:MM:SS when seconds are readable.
**9:10**
